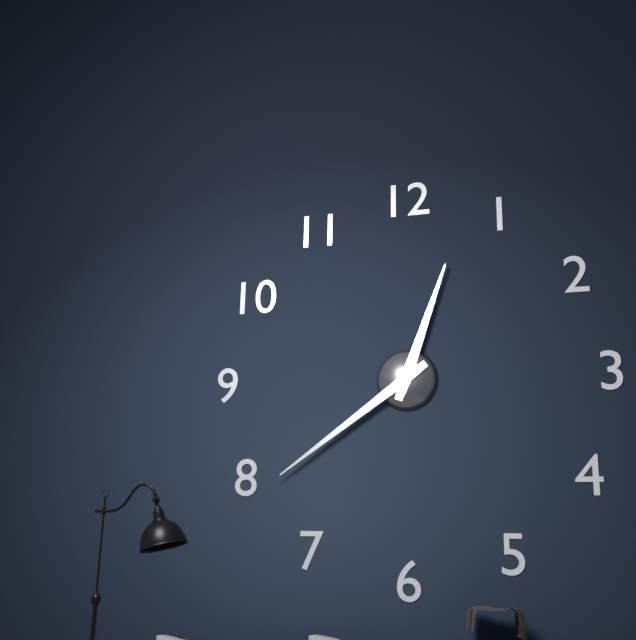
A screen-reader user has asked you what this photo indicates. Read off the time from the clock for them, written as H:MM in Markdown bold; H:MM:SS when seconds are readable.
**12:39**
